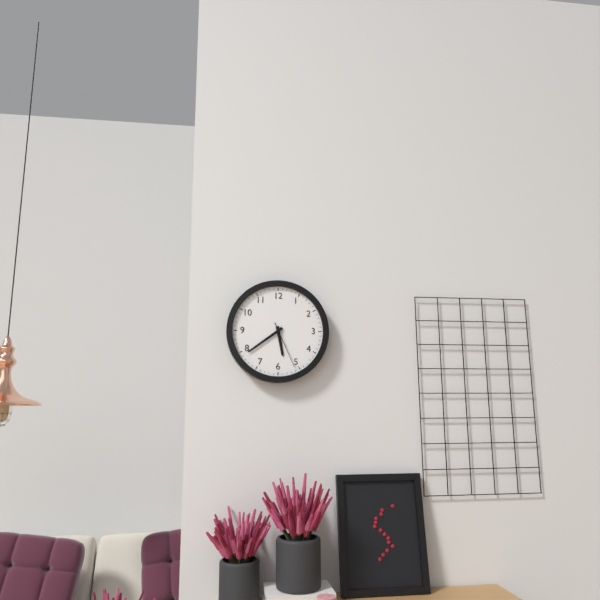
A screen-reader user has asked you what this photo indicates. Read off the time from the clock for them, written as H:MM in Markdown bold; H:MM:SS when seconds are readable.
**5:39:26**
